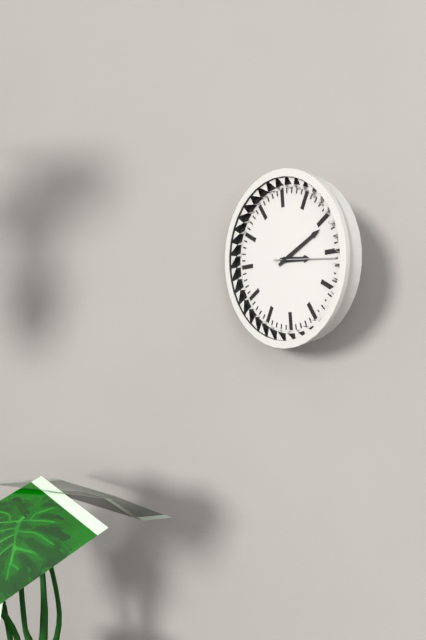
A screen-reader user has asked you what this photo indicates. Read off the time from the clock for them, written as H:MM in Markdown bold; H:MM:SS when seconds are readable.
**3:11:16**
